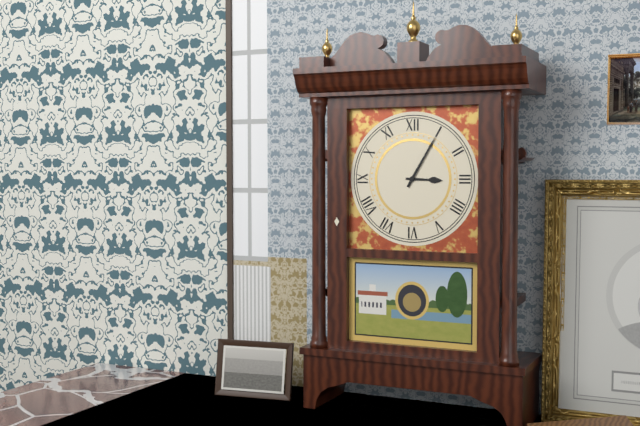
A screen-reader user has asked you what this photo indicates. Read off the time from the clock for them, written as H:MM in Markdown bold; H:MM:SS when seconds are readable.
**3:05**
